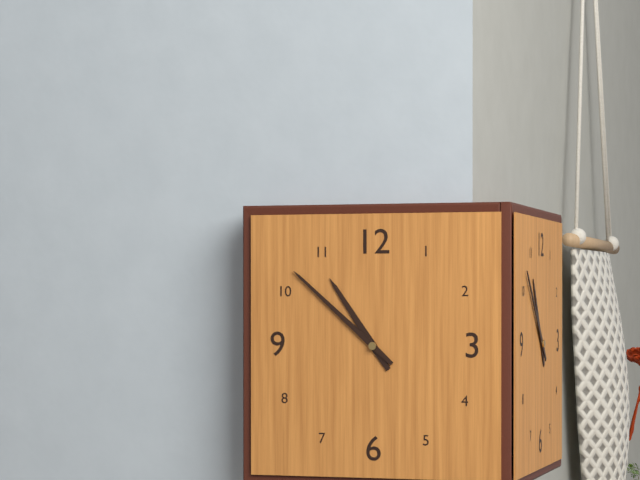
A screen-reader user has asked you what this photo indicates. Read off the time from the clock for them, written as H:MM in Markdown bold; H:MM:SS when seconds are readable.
**10:52**
